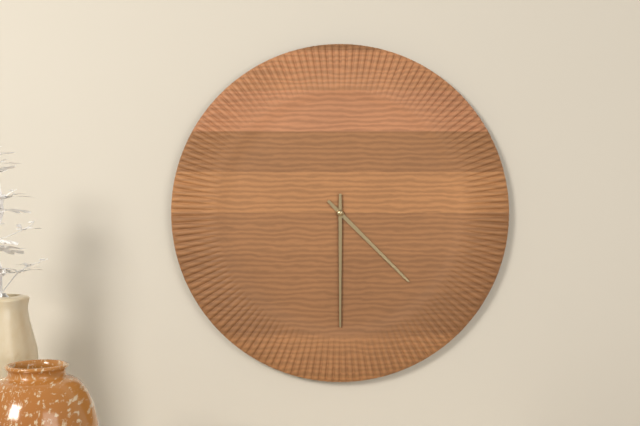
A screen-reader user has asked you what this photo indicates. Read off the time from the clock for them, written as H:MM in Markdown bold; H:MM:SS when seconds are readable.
**4:30**
